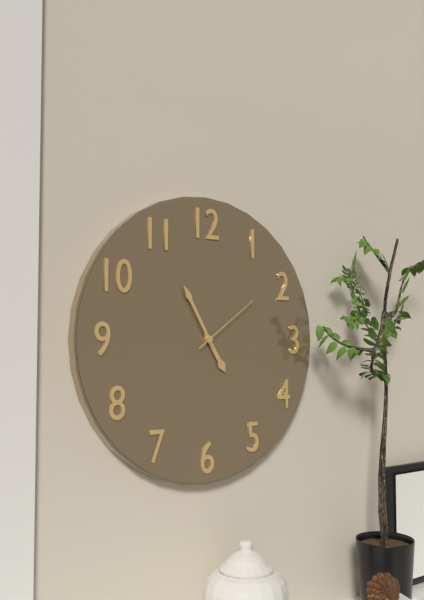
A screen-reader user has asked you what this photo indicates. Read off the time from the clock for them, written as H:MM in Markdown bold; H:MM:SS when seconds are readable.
**4:55:09**
